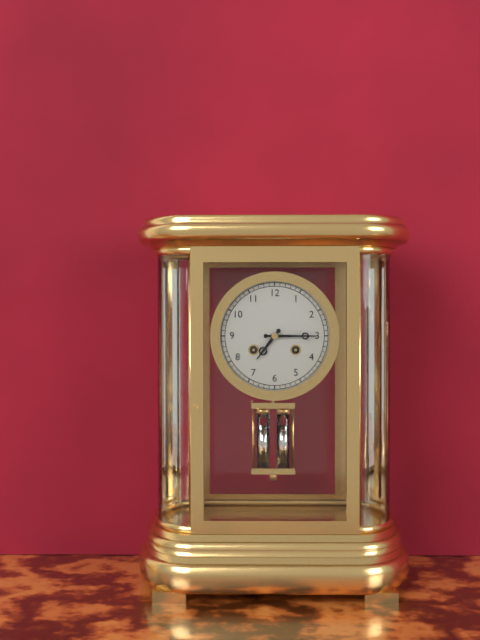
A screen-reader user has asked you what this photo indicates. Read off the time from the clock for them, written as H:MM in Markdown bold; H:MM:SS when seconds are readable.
**7:15**
